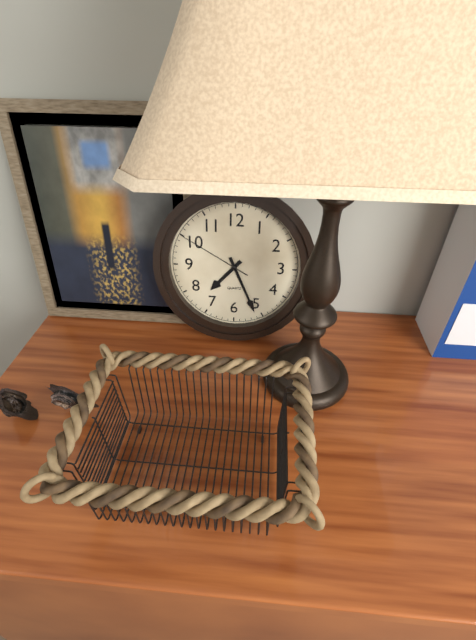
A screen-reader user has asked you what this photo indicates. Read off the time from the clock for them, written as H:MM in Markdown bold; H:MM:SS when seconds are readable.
**7:26:50**
